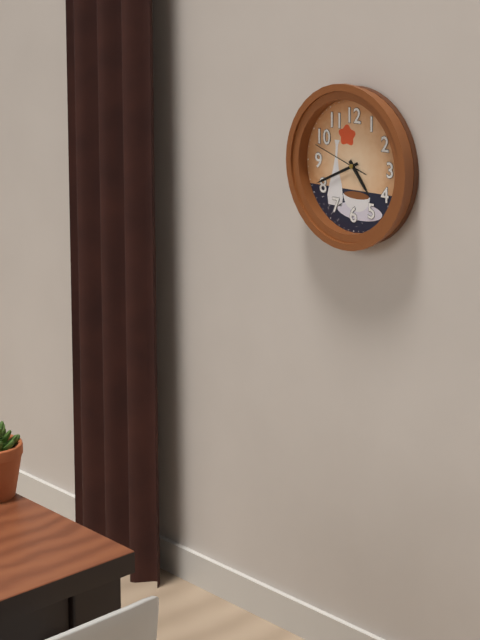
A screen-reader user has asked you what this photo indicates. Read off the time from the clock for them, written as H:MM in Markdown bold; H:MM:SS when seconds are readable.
**4:41:48**
